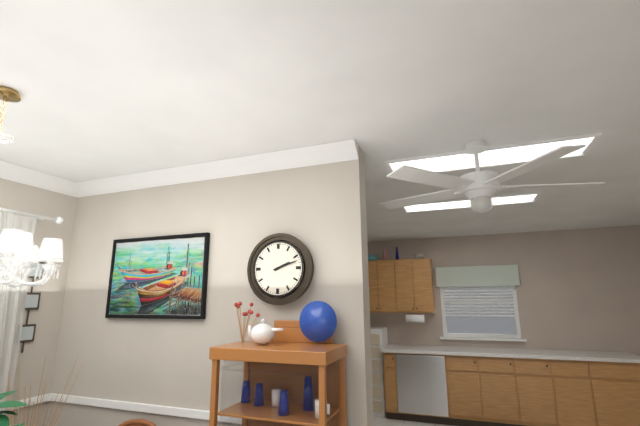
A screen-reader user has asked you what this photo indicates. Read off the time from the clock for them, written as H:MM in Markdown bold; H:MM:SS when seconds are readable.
**2:12**
